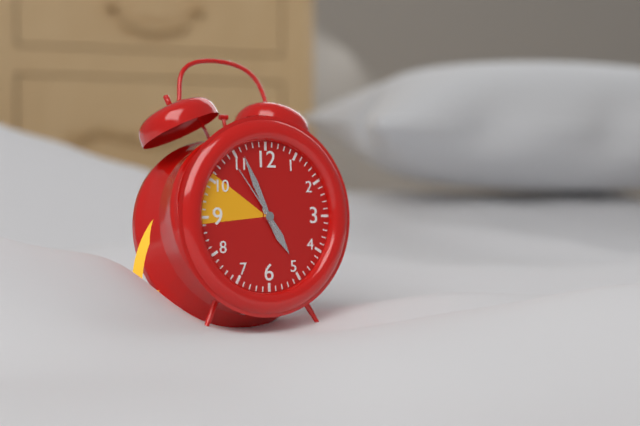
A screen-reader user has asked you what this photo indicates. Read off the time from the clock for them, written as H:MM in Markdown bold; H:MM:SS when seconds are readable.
**4:56:54**
